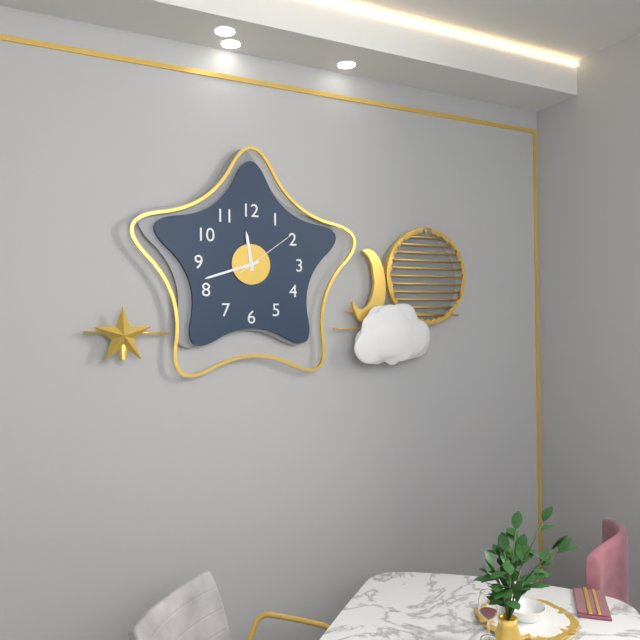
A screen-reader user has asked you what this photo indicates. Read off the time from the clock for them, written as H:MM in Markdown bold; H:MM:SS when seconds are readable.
**11:42:09**
